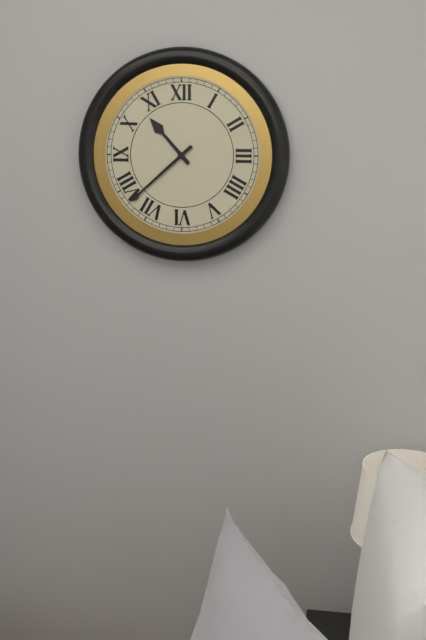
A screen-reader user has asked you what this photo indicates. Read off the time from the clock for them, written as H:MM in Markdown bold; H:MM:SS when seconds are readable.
**10:38**
